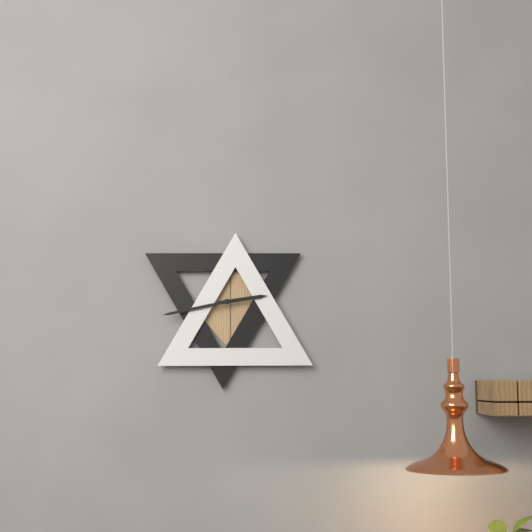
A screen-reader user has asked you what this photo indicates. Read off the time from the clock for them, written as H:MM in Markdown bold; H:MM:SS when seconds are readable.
**2:43**
